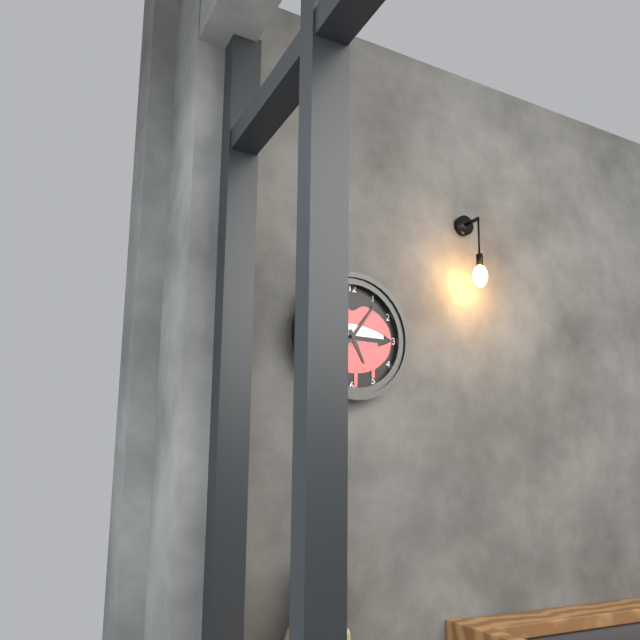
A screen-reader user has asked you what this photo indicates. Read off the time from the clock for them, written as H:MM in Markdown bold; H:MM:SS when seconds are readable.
**5:06**
